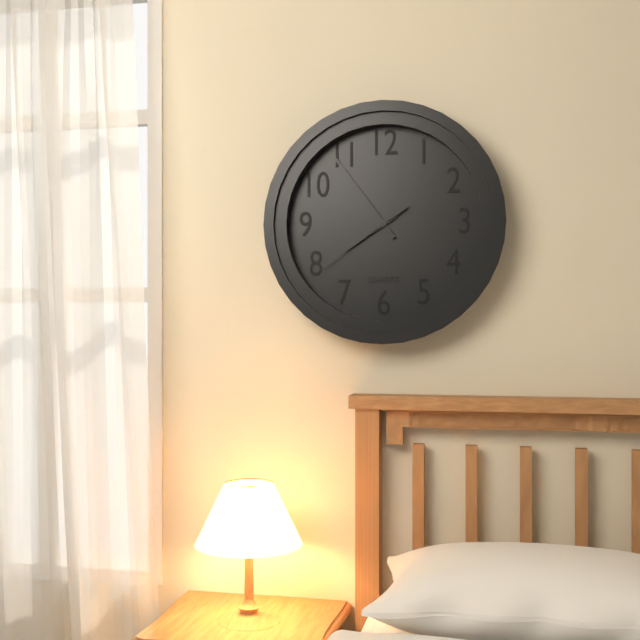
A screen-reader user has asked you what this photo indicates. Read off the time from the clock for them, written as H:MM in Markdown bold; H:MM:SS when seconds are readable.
**7:54:39**
